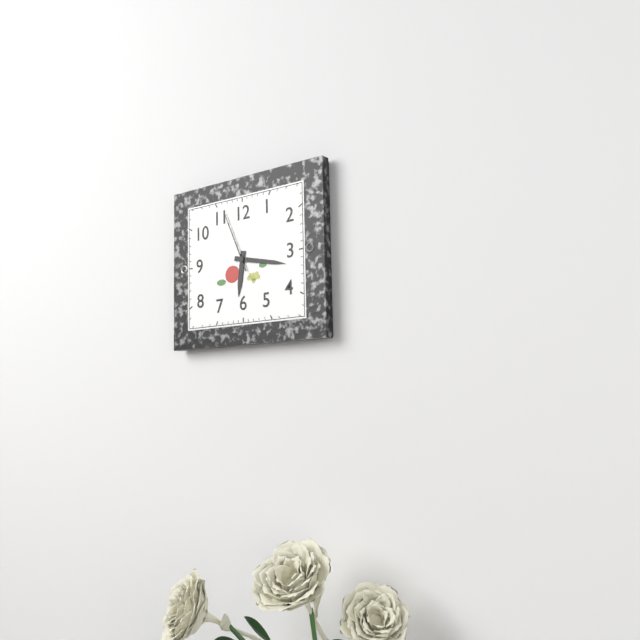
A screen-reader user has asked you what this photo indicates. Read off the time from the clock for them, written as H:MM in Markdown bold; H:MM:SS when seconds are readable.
**6:17:56**
